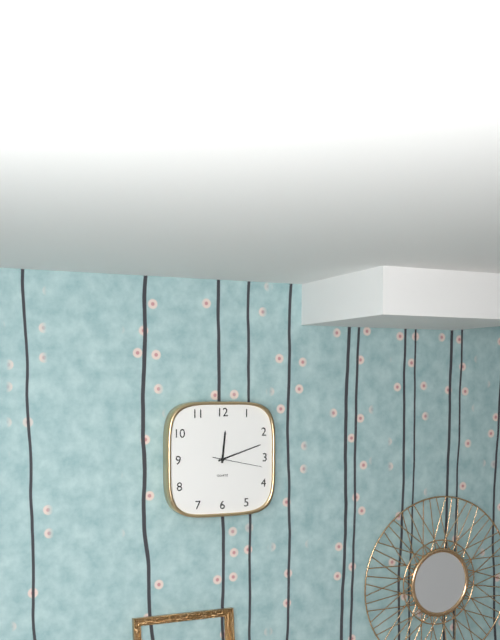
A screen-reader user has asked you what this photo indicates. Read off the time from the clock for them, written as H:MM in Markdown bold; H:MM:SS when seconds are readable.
**12:12:17**
